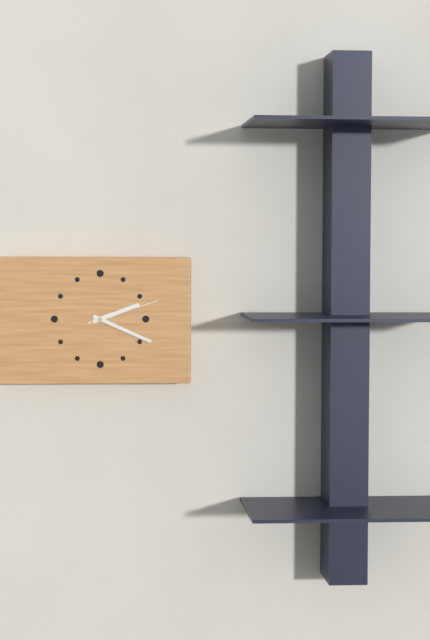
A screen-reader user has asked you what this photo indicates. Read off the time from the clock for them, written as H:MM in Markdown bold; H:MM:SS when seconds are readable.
**2:19:12**
